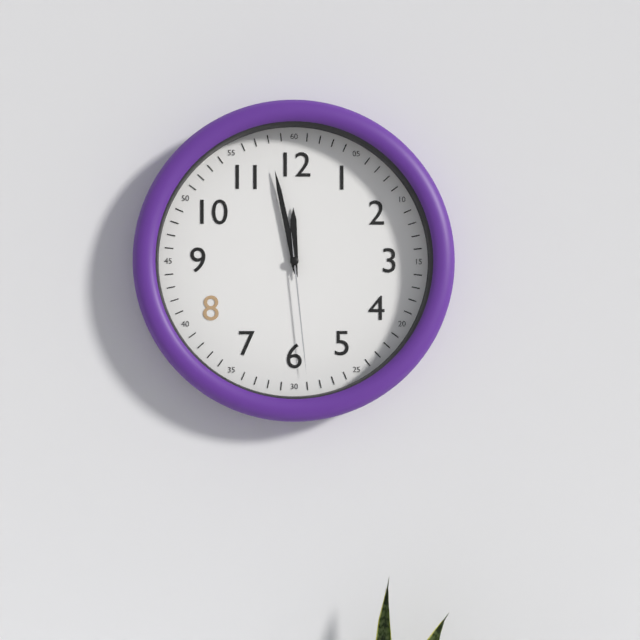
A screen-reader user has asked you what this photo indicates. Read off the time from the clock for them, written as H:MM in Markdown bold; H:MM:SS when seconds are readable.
**11:58:29**
